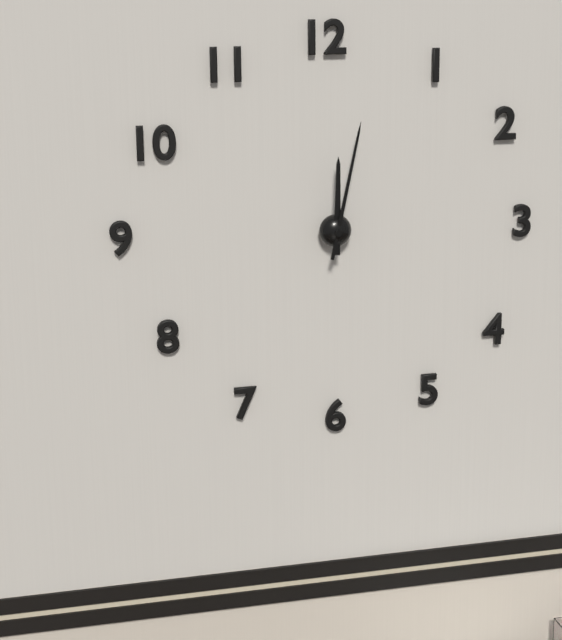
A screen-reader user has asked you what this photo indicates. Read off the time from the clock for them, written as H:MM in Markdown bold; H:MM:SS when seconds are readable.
**12:02**
